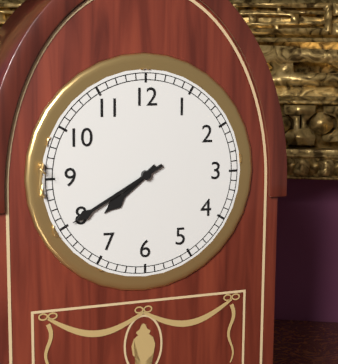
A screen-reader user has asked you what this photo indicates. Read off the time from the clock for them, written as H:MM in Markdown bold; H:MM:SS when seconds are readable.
**7:40**
